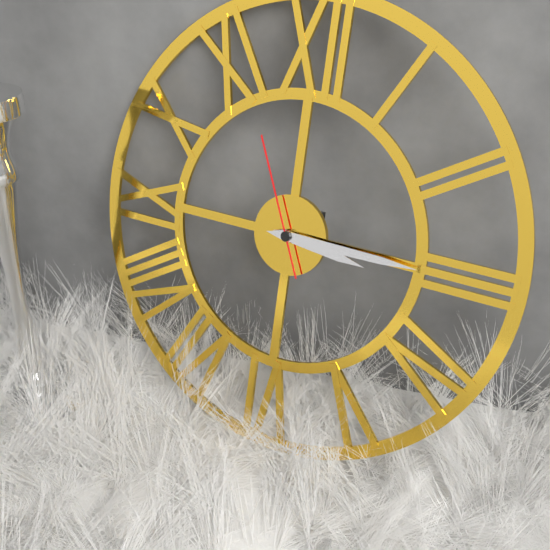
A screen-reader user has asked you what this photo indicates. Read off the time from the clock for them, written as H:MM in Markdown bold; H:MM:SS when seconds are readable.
**3:15:56**
